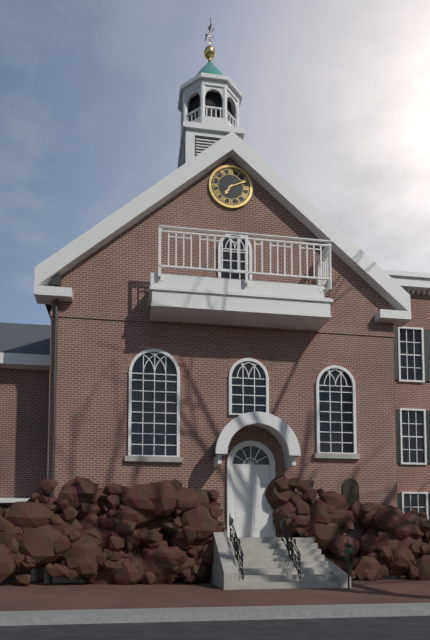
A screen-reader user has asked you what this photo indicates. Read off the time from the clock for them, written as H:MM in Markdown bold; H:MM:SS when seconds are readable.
**7:11**
